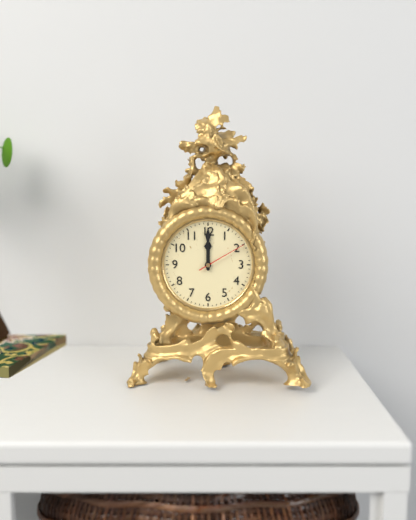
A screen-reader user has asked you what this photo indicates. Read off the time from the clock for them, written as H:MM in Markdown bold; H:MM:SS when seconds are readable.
**12:00:10**
